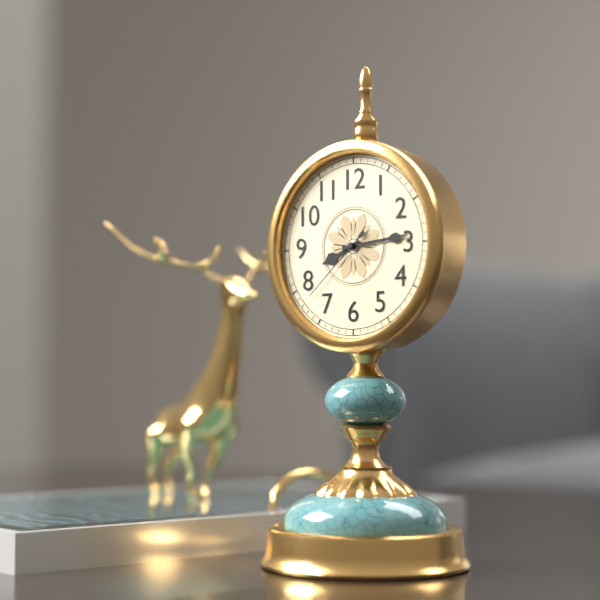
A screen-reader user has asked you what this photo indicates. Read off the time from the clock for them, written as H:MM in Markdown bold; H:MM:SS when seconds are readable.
**8:14:38**
